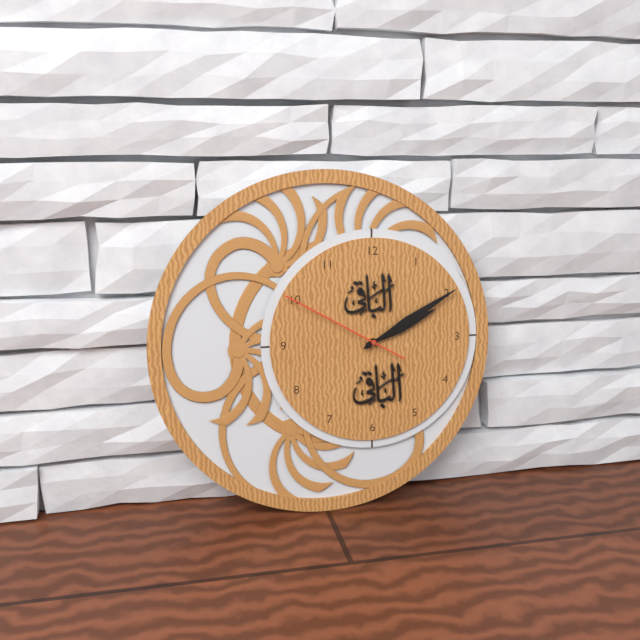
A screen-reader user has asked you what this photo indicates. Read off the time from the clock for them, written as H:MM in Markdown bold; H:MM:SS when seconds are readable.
**2:10:50**
